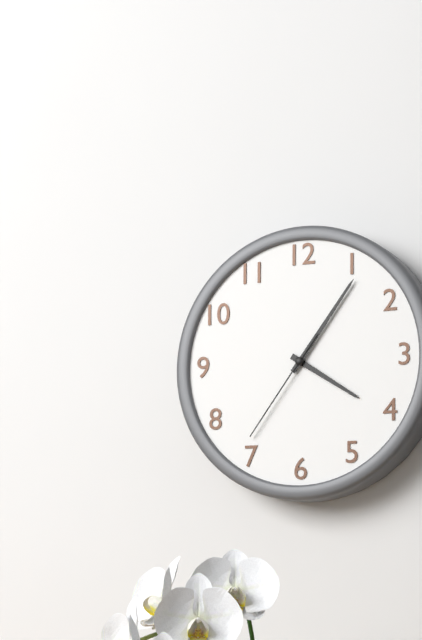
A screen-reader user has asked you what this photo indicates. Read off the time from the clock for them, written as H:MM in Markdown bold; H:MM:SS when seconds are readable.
**4:06:36**
